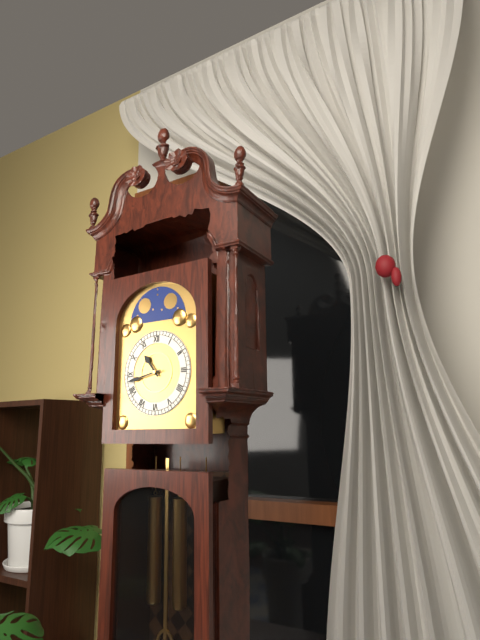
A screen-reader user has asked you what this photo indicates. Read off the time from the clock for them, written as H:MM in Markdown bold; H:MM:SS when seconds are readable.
**10:43**
